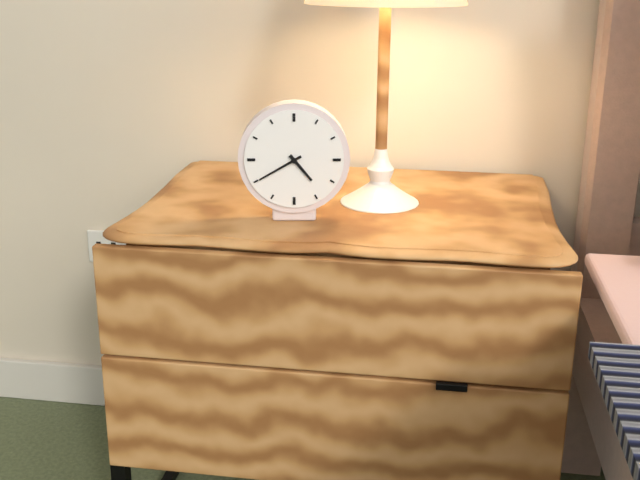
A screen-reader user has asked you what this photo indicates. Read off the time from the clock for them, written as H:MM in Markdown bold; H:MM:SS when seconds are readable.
**4:40**
